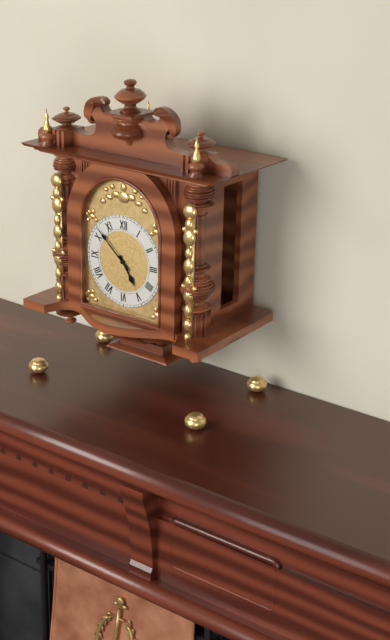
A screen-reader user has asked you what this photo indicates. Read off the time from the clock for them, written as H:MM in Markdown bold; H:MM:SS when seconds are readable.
**4:52**
